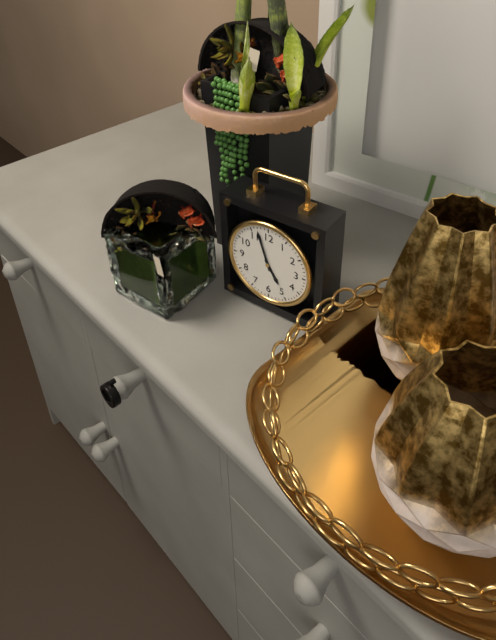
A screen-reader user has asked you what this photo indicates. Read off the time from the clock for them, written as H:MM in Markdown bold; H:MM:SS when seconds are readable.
**4:57**
